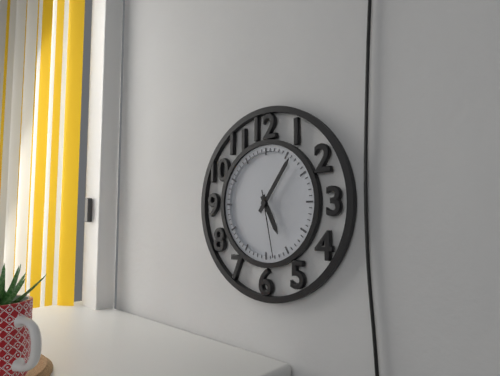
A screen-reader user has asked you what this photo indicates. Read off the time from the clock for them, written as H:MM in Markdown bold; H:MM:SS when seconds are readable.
**5:06:28**
